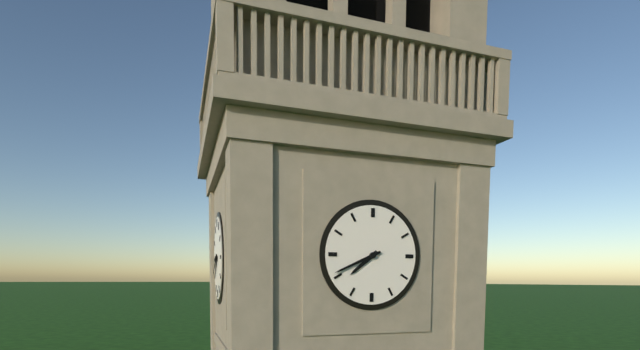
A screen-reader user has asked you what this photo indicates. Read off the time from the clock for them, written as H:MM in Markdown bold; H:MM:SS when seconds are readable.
**7:41**
